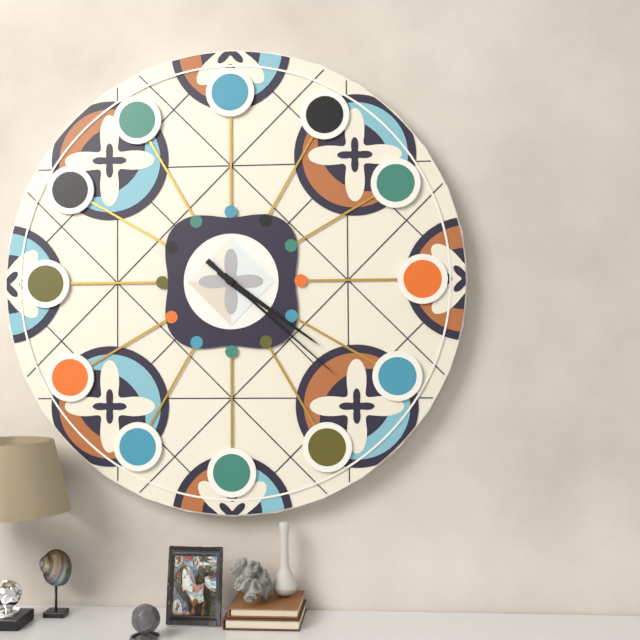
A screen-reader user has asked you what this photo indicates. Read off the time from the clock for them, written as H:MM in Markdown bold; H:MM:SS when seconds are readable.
**4:21:22**
